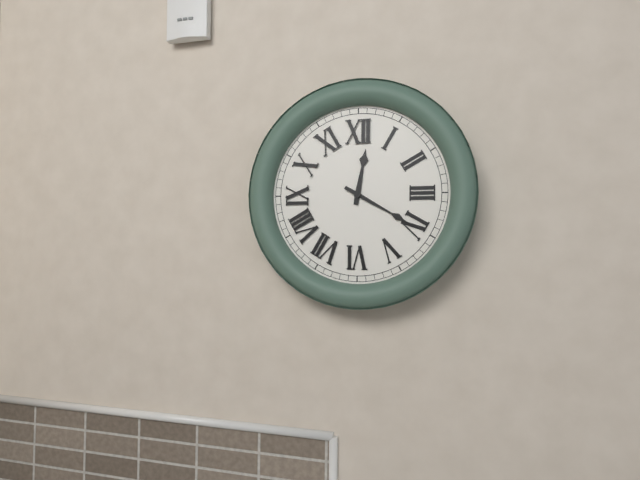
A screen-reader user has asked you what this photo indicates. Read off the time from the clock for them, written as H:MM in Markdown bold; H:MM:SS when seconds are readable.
**12:20**
